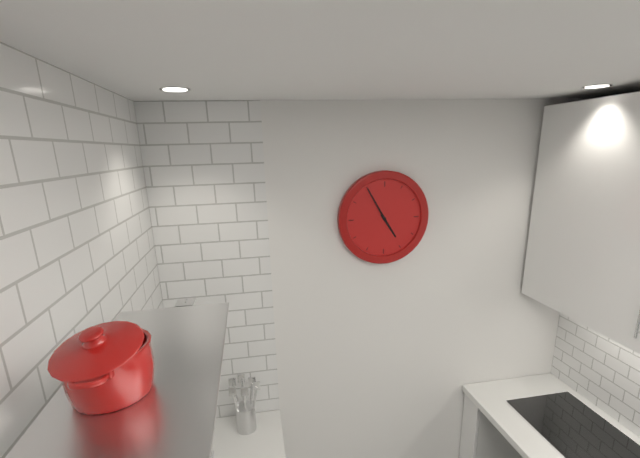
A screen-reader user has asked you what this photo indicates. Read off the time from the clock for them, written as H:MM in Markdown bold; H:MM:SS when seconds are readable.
**4:55**
